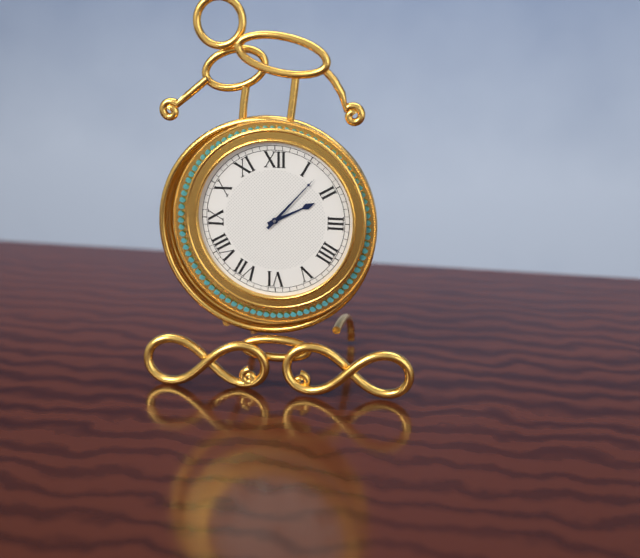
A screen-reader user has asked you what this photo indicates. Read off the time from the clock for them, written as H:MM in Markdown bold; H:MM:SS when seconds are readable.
**2:07**
